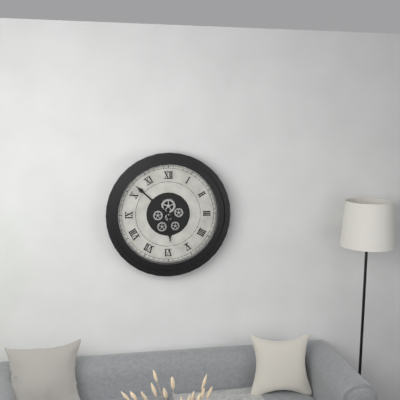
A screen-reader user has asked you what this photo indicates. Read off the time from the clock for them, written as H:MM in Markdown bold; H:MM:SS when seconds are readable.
**5:52**
